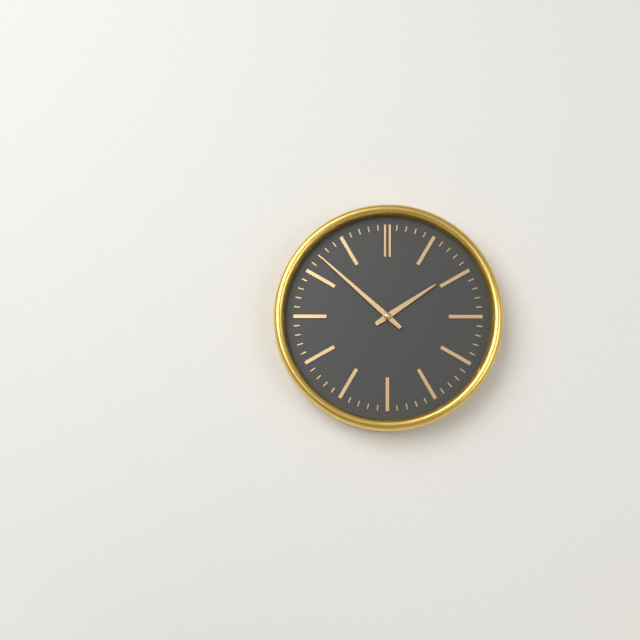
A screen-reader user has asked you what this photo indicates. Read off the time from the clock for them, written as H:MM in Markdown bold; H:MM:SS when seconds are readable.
**1:52**
